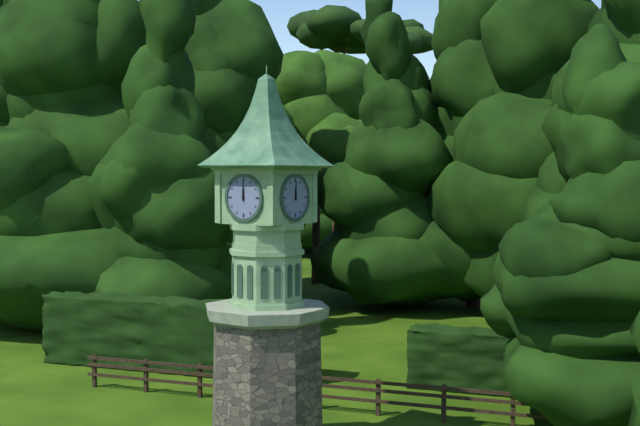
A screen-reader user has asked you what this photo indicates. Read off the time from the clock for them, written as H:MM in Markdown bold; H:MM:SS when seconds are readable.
**12:00**
